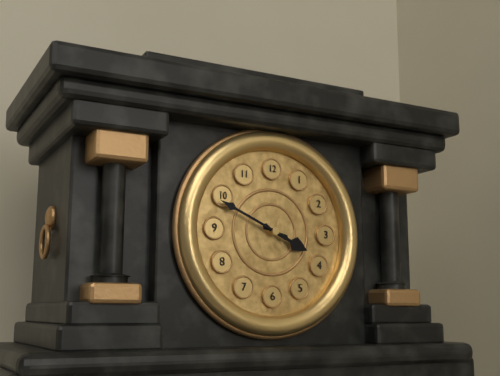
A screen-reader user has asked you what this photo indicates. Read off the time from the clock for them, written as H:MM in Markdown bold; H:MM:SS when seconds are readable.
**3:49**
